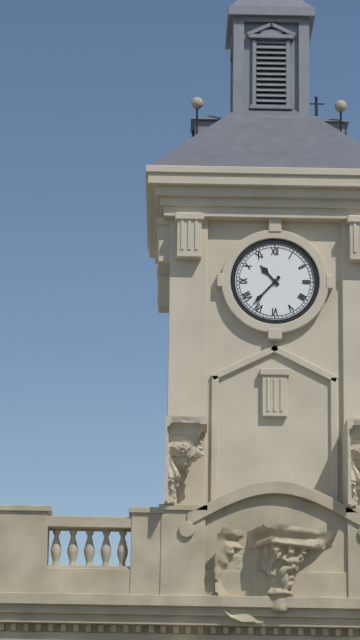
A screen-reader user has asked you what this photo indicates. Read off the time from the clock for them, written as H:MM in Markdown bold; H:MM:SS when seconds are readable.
**10:37**
